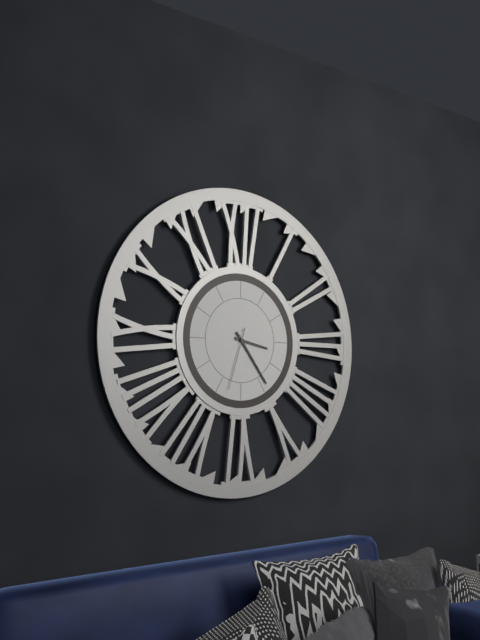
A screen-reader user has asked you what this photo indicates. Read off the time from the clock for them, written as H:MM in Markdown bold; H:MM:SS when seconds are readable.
**3:24:33**
